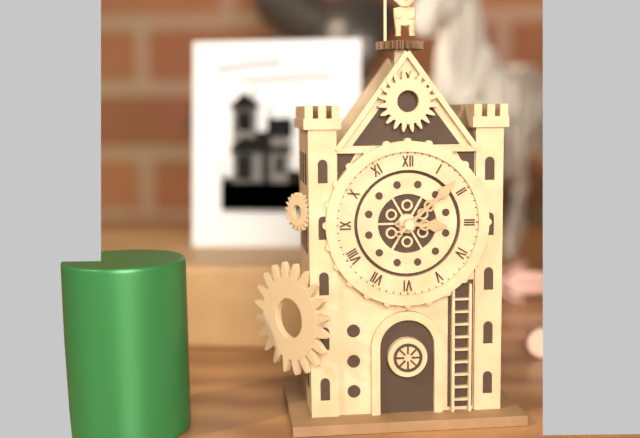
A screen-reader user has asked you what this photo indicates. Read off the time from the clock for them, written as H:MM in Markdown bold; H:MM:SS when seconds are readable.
**3:08**
